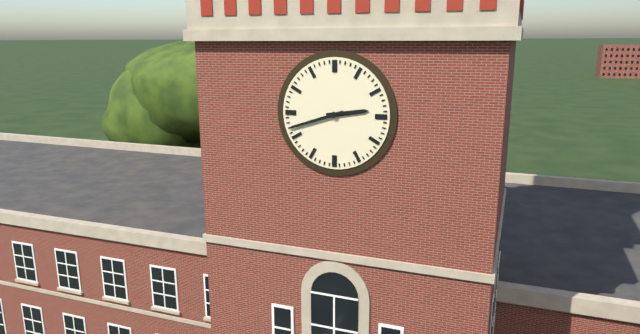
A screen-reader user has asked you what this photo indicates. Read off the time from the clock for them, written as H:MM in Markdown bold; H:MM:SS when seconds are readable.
**2:42**
